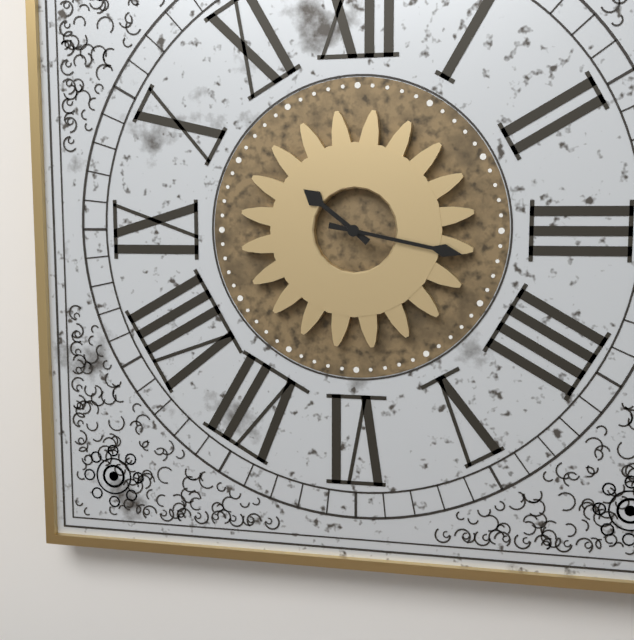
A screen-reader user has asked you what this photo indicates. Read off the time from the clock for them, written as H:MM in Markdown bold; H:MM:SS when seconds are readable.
**10:17**
